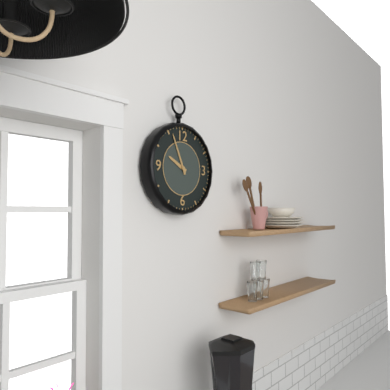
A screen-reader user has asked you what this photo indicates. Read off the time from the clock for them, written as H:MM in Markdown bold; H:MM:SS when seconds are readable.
**9:56**
